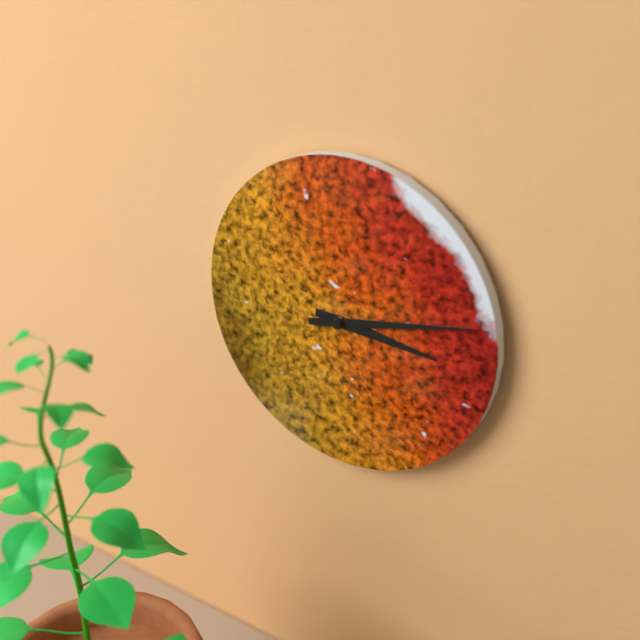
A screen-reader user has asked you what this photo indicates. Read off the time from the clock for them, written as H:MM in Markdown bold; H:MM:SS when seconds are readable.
**3:13**
